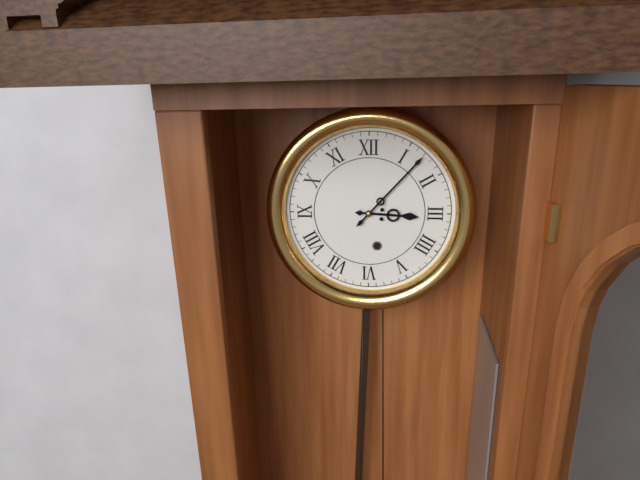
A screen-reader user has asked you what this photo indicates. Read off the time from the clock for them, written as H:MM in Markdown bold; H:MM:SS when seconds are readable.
**3:07**
